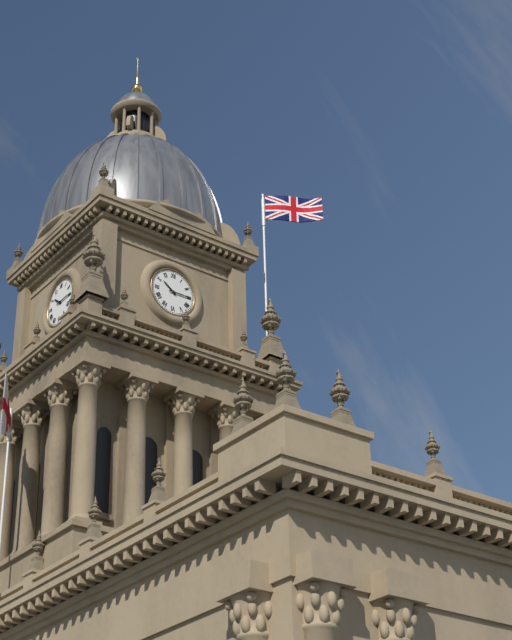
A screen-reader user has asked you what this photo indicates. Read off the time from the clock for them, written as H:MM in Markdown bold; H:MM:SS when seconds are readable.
**10:15**
